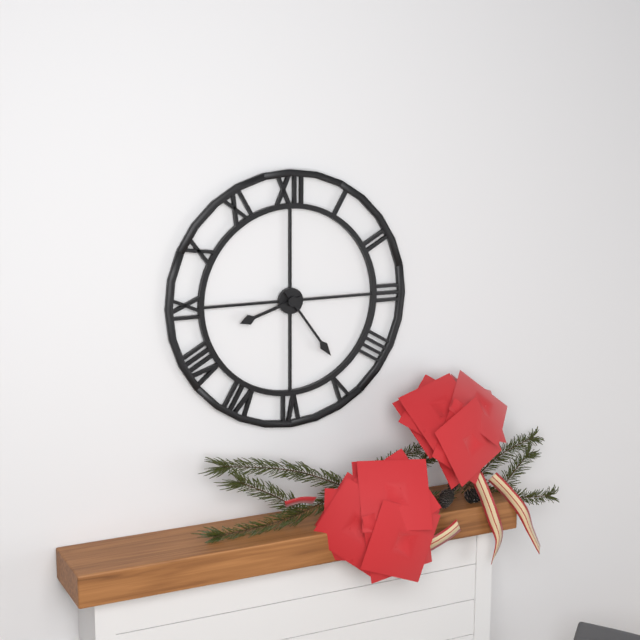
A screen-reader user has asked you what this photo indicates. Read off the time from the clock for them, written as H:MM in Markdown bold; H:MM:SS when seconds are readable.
**8:24**
